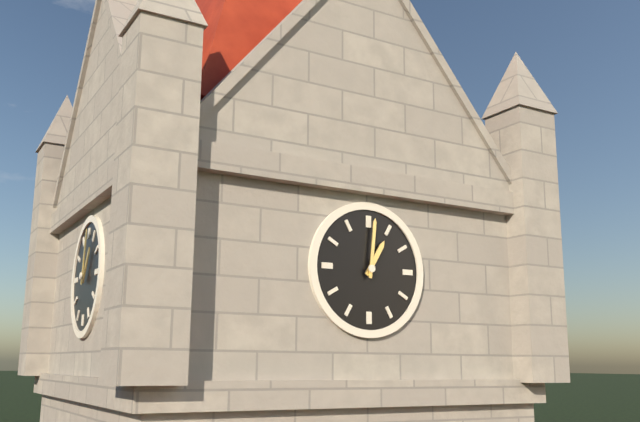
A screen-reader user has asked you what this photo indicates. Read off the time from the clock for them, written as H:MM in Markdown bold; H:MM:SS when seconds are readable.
**1:01**
